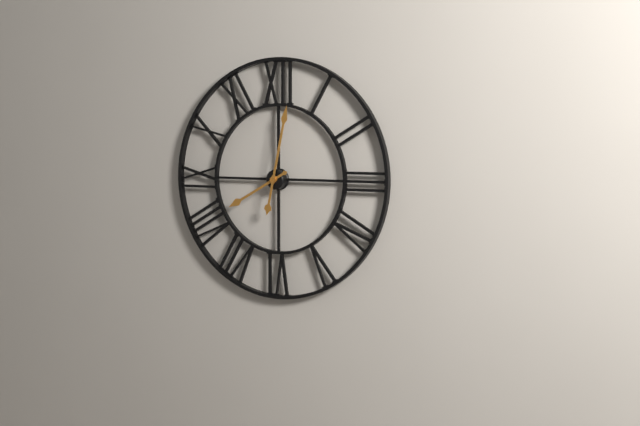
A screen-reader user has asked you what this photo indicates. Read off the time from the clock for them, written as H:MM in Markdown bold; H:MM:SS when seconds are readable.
**8:02**
